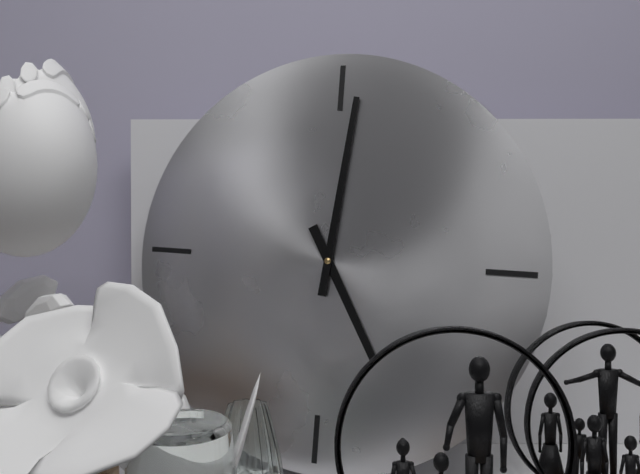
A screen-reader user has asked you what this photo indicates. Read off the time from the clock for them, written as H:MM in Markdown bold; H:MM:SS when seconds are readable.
**5:01**
